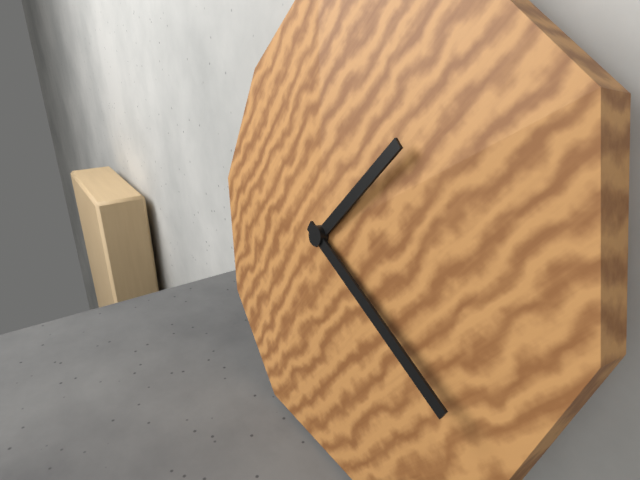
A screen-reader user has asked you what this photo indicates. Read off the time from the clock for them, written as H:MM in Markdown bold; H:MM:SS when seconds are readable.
**1:19**
